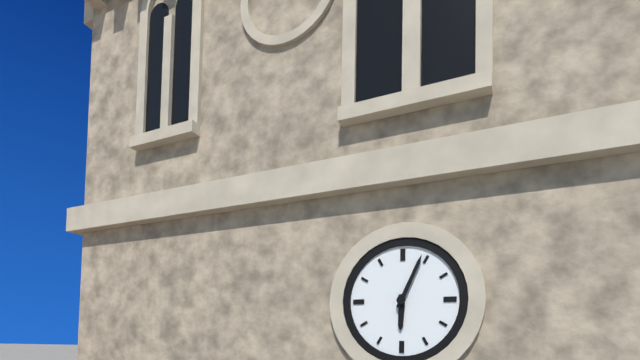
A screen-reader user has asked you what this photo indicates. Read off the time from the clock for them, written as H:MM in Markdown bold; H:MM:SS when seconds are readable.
**6:04**
